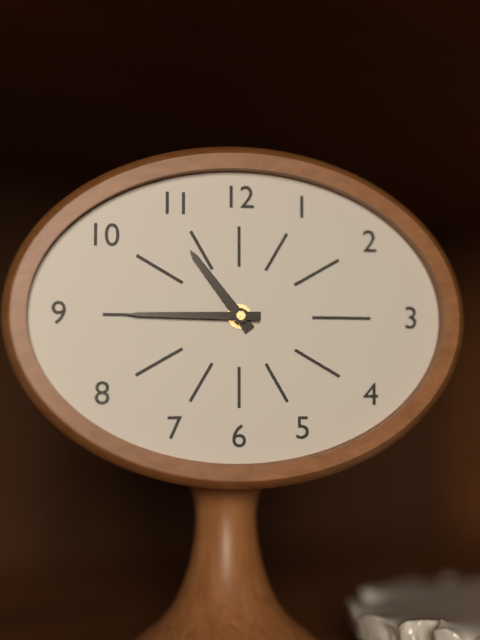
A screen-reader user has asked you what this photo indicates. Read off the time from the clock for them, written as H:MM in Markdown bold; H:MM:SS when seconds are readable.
**10:45**
